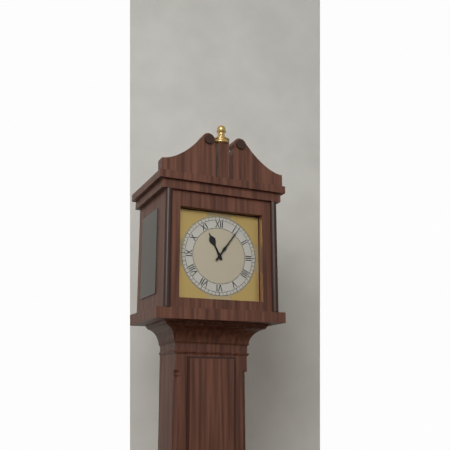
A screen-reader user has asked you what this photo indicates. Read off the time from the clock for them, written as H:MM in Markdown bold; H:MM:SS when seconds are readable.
**11:06**
